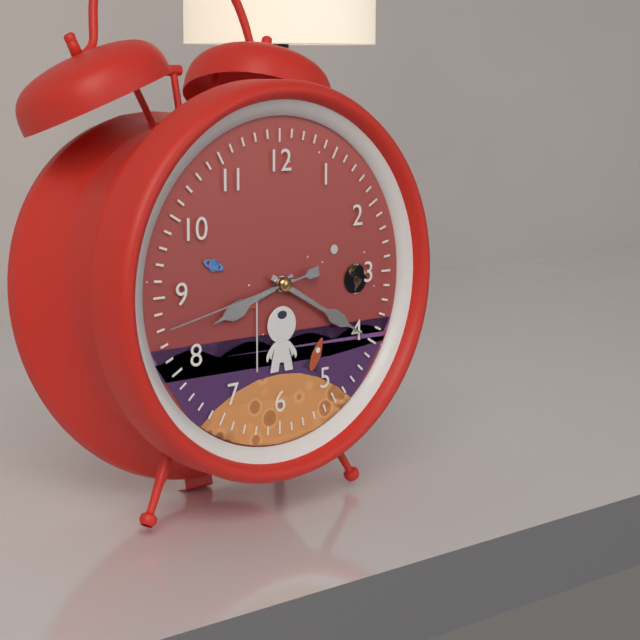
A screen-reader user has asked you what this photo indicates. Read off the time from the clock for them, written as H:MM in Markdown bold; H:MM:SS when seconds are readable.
**8:20:43**
